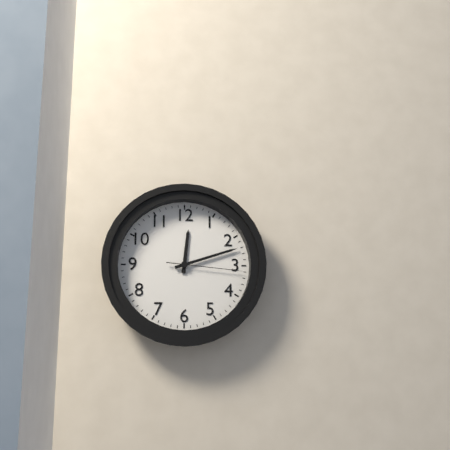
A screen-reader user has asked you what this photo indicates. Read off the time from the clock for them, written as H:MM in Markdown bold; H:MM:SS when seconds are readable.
**12:12:16**
